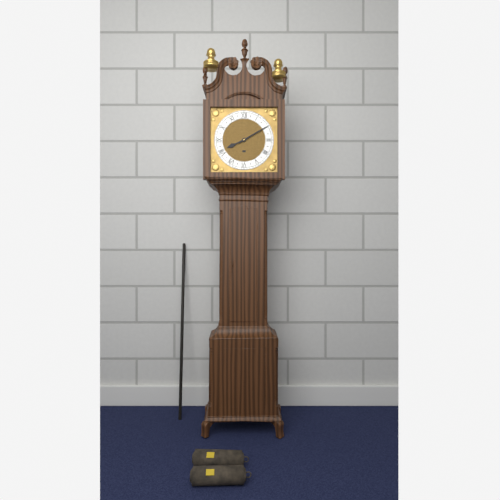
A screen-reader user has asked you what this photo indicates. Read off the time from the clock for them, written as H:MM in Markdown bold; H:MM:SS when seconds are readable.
**8:10**
